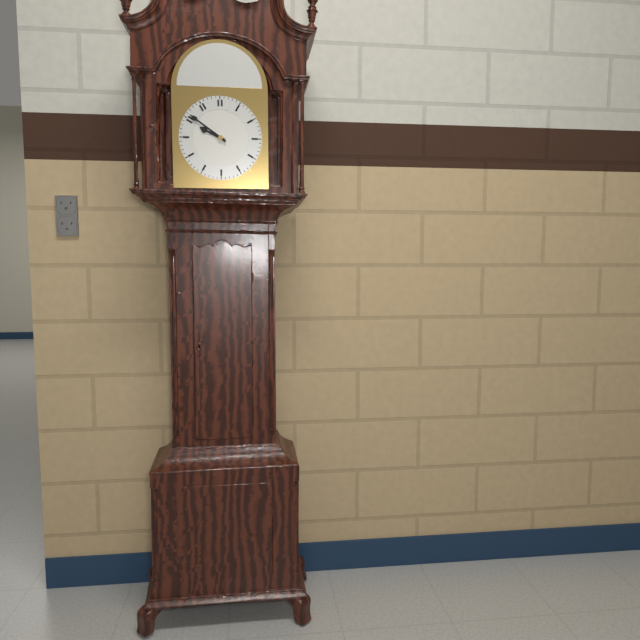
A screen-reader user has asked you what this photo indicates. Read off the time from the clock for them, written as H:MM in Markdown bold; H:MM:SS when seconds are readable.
**9:51**
